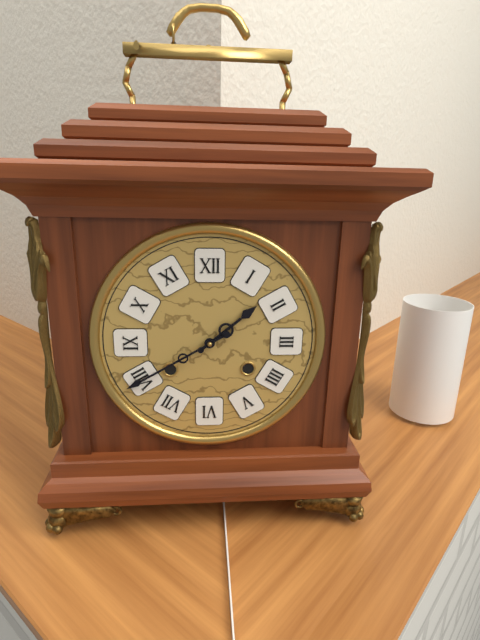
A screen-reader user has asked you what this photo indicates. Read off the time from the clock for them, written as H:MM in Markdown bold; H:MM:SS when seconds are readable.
**1:40**
